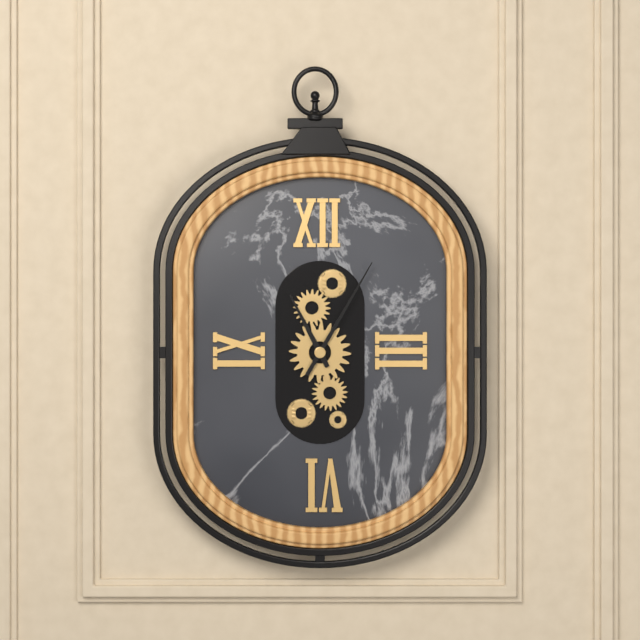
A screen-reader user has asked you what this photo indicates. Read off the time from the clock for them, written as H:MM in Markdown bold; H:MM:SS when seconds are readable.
**11:05**
